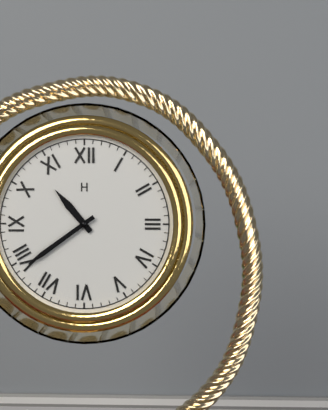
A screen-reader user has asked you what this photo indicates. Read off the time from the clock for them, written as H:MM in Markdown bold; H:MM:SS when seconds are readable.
**10:39**
